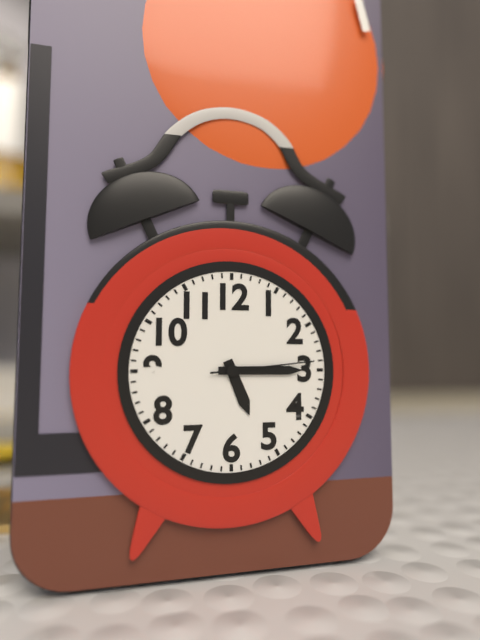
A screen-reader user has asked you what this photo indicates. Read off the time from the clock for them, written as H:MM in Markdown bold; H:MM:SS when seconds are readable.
**5:15:14**
